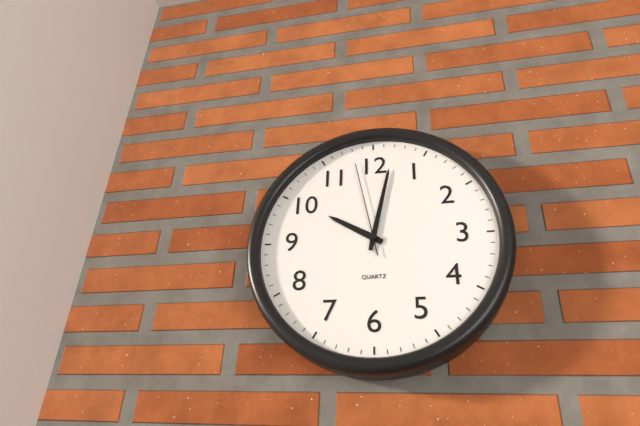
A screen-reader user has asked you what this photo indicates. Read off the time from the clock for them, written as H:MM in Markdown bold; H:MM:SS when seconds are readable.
**10:02:58**
